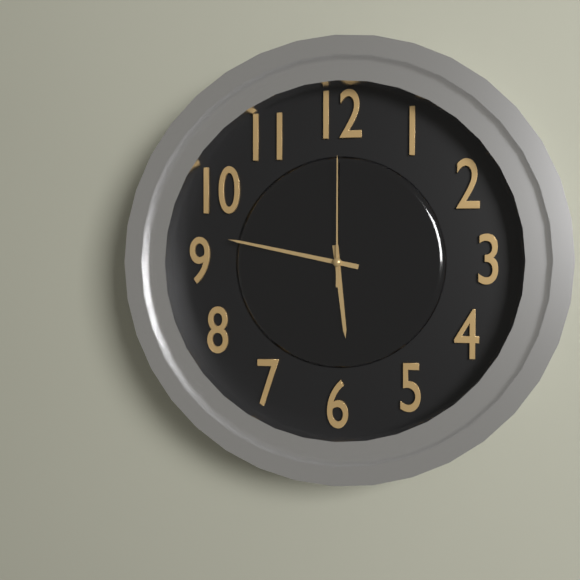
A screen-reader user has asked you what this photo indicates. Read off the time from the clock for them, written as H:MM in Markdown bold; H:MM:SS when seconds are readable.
**5:47:00**
